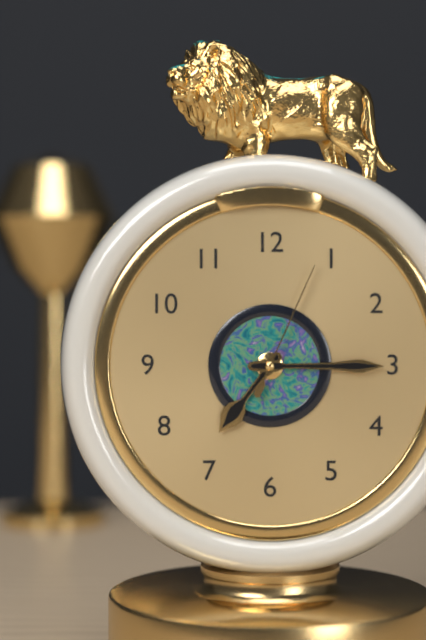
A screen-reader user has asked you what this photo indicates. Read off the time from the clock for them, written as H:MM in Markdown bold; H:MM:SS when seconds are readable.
**7:15:04**
